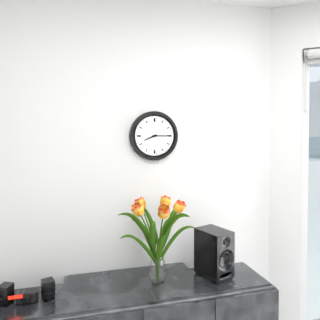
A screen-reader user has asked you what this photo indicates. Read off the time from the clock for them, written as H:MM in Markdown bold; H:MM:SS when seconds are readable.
**8:15**
